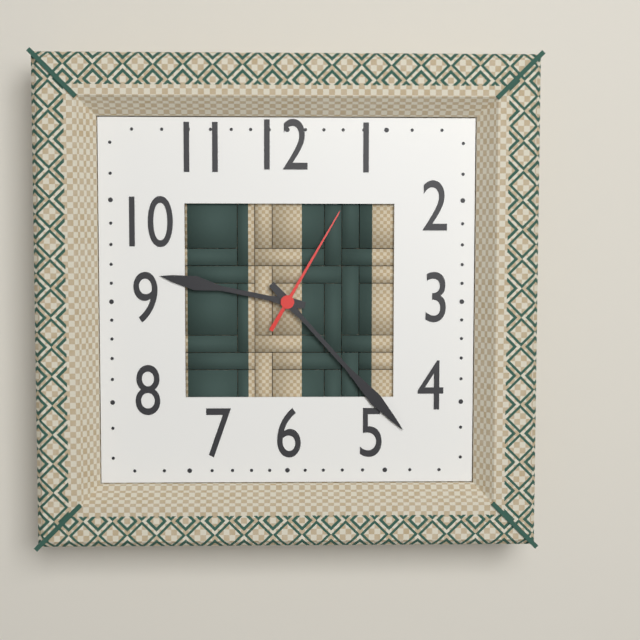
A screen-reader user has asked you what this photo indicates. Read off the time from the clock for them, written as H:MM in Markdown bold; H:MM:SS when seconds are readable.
**9:23:05**
